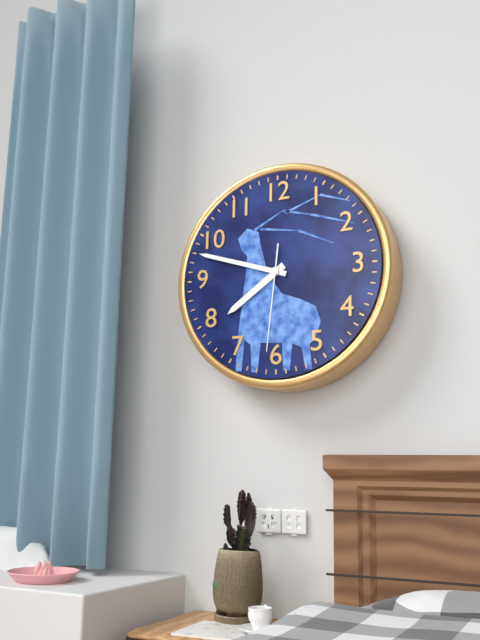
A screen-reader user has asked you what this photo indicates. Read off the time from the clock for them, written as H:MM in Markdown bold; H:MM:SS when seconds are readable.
**7:48:31**
